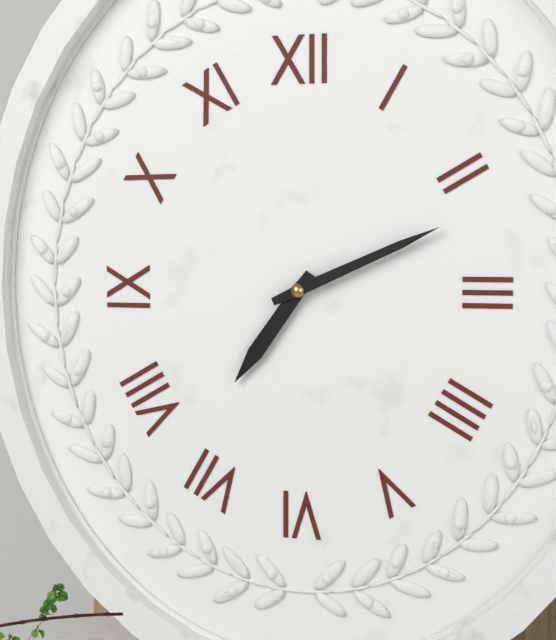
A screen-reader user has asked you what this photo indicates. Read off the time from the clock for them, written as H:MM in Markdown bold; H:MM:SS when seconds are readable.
**7:11**
